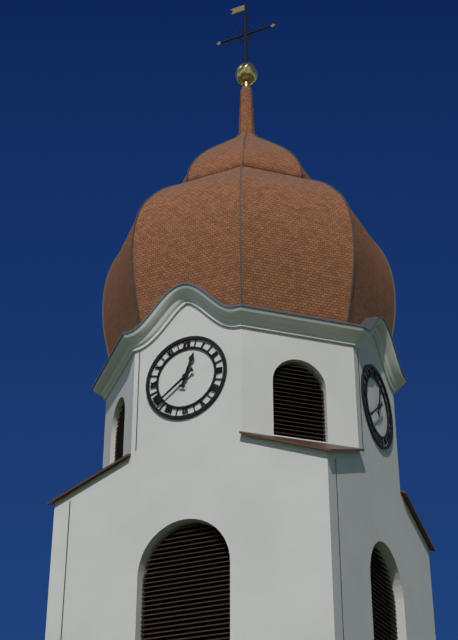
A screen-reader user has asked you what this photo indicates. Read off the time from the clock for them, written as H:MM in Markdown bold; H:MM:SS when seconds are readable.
**12:39**
